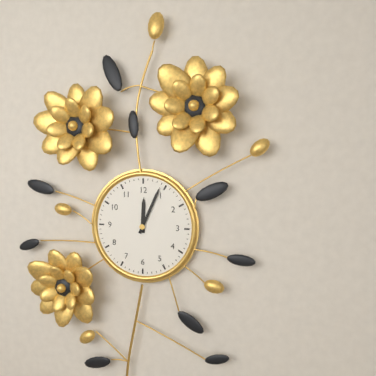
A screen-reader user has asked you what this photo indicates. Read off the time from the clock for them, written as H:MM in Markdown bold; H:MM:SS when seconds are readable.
**12:04**
